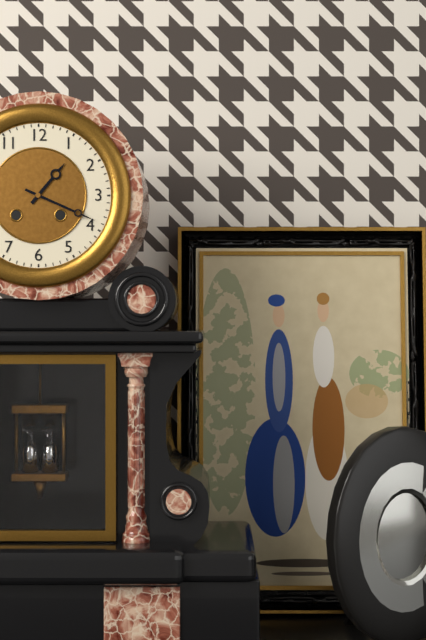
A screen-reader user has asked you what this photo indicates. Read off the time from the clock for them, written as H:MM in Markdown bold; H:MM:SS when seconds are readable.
**1:19**
